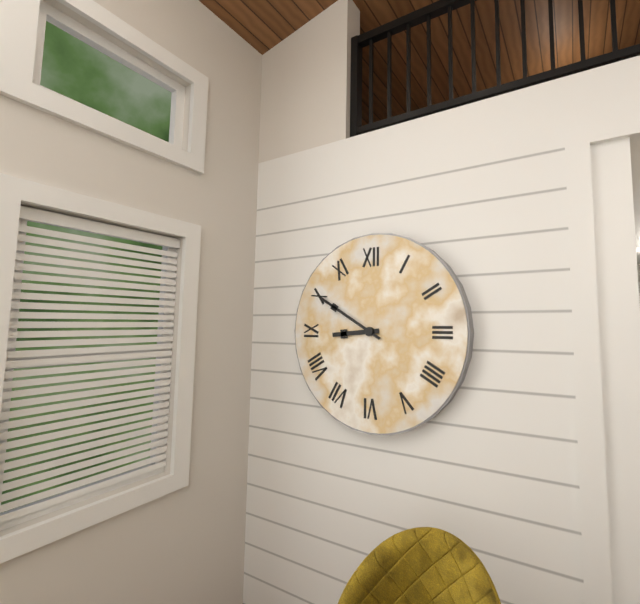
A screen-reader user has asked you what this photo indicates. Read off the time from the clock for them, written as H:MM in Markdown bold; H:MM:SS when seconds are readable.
**8:50**
